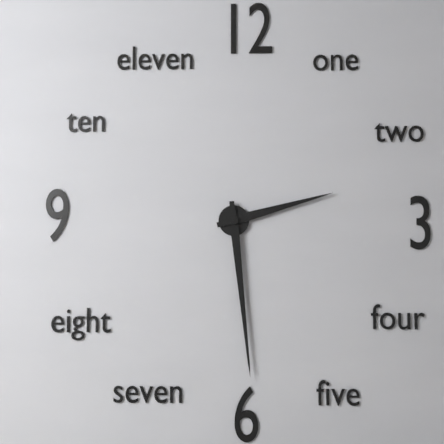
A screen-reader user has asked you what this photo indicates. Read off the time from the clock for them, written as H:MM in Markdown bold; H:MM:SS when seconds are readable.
**2:29**
